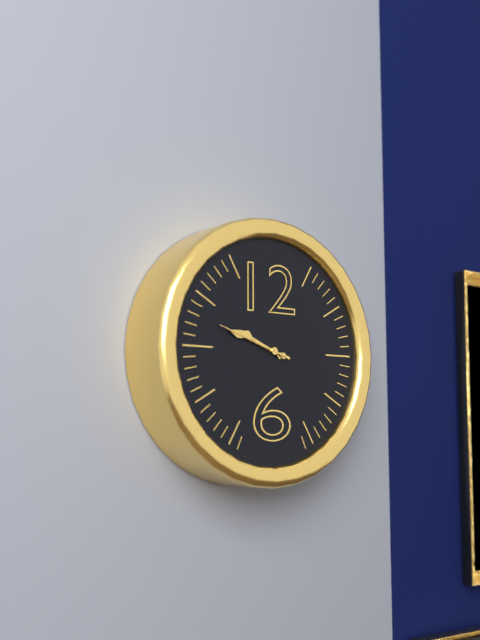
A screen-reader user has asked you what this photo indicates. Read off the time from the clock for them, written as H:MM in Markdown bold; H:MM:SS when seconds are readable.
**9:48**
